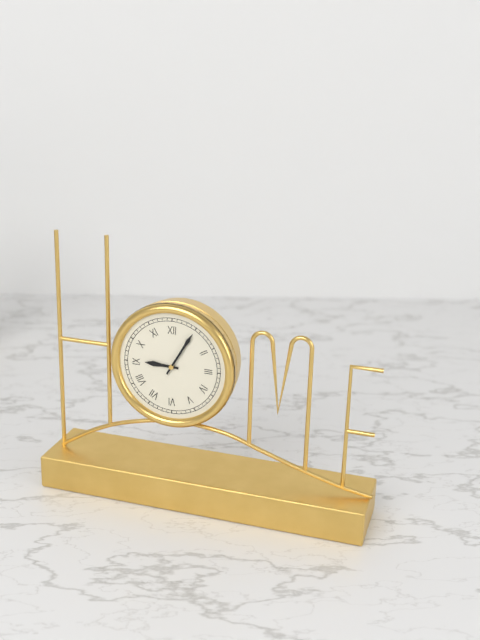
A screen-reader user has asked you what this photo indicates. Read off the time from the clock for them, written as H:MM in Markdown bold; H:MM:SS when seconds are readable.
**9:05**
